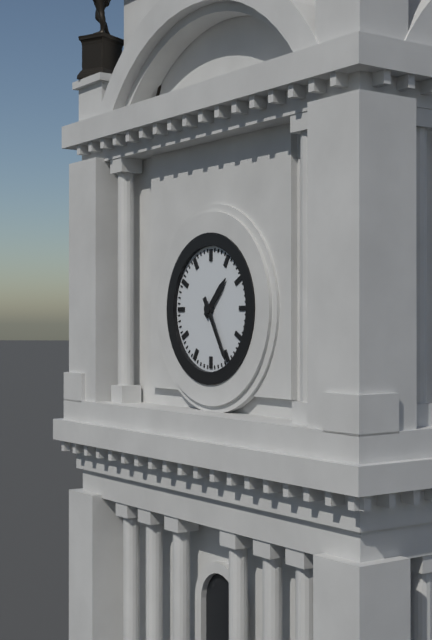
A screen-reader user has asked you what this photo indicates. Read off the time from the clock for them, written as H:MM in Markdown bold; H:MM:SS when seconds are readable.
**1:25**
